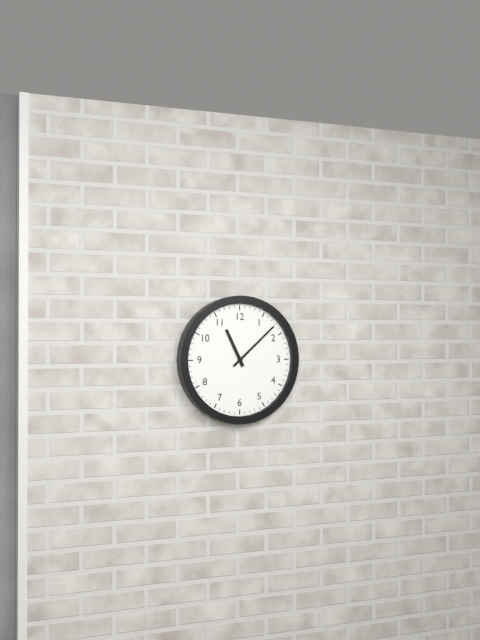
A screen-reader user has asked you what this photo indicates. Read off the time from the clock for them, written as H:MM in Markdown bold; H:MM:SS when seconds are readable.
**11:08**
